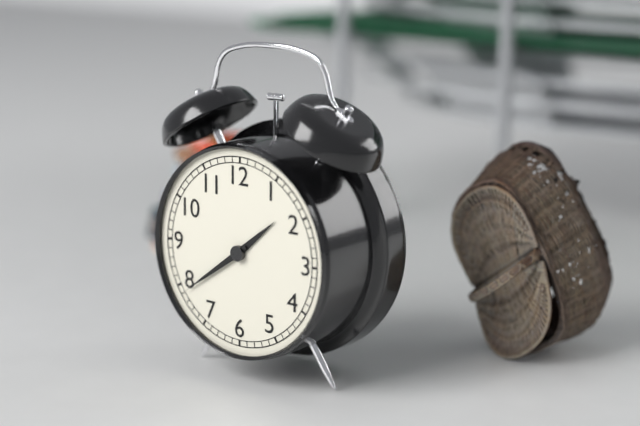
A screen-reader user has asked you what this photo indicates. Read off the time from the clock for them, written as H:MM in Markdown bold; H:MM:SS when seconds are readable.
**1:39**
